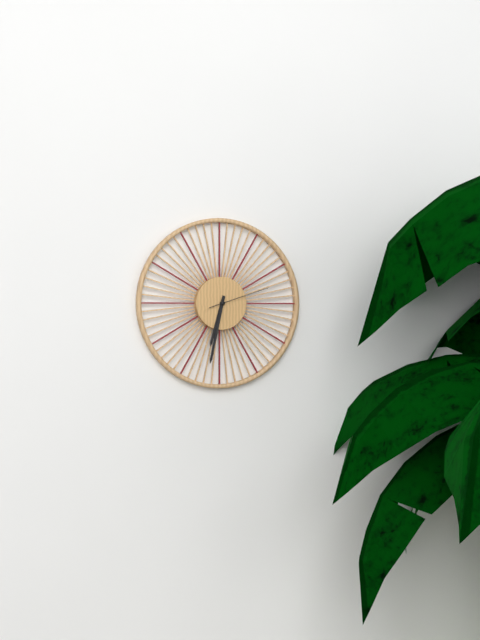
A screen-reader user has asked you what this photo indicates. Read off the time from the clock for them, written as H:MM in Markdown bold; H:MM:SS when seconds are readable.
**6:32:12**
